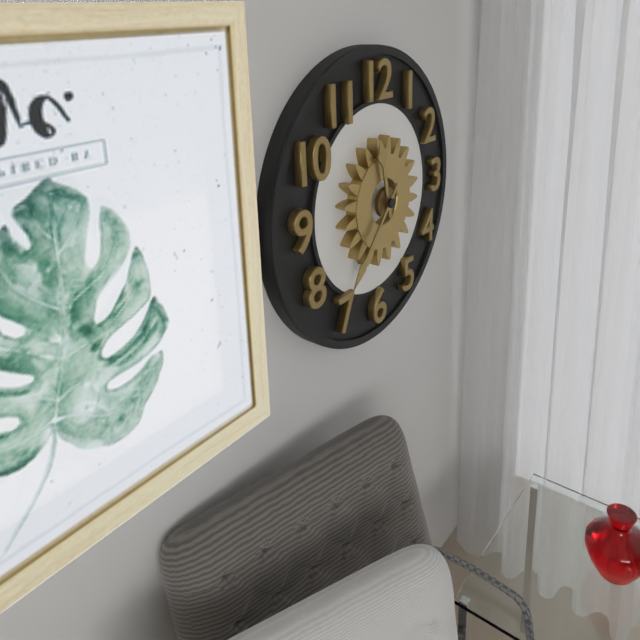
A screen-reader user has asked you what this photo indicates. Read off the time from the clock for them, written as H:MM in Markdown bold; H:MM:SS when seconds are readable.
**11:37**
